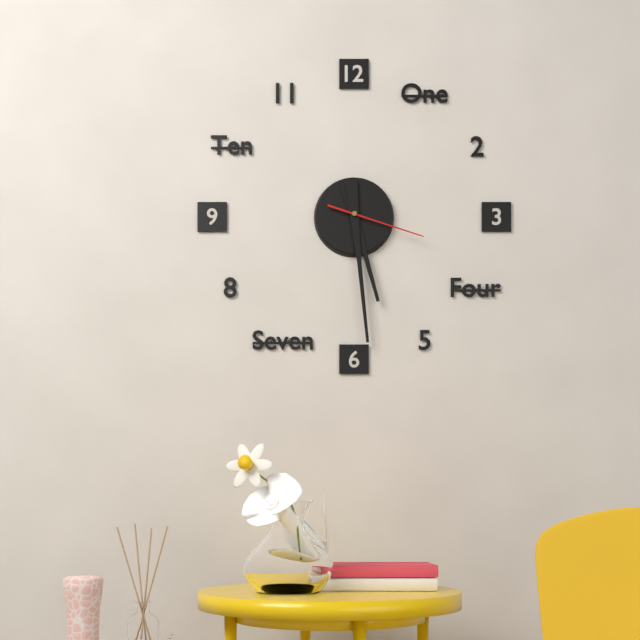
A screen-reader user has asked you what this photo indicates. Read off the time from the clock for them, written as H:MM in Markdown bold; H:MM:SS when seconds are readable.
**5:29:18**
